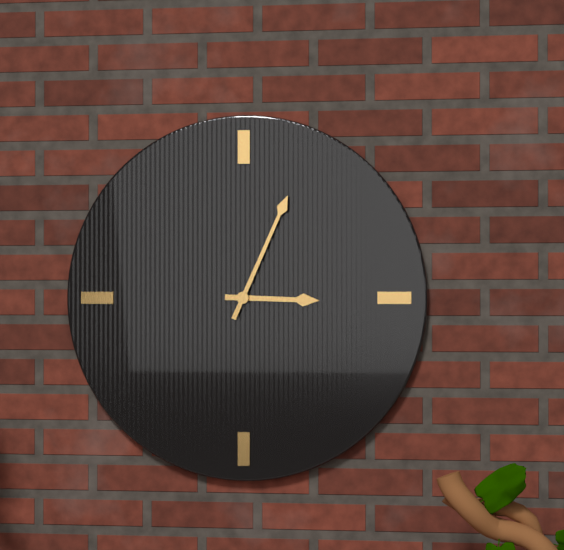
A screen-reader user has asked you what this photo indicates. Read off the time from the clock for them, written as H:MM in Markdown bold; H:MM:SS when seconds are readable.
**3:04**
